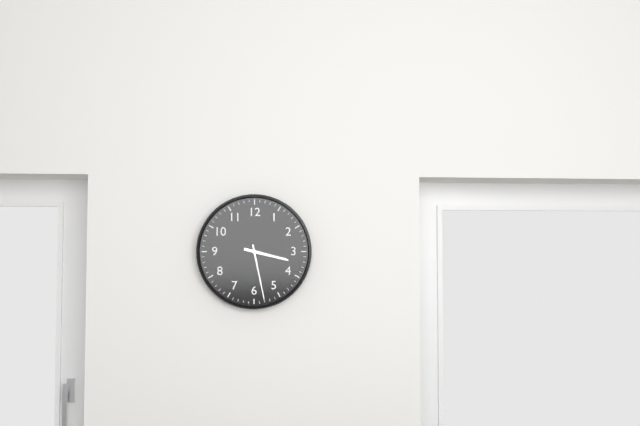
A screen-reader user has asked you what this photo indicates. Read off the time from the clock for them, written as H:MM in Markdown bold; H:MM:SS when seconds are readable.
**3:28**
